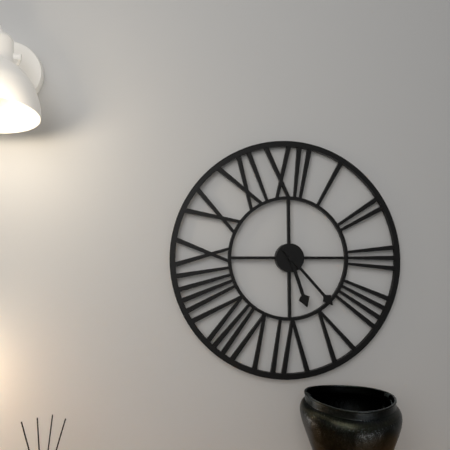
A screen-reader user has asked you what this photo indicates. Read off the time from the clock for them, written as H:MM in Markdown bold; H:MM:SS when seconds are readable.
**5:23**
